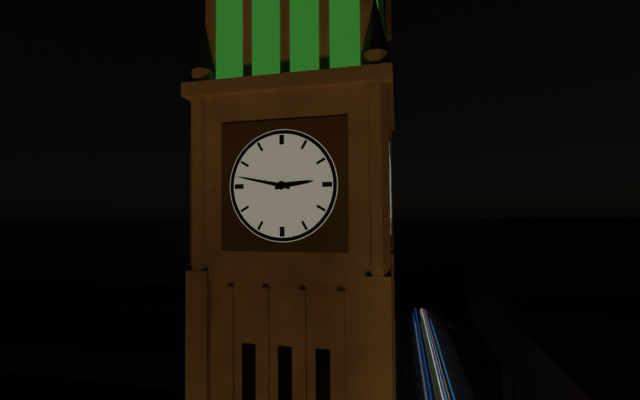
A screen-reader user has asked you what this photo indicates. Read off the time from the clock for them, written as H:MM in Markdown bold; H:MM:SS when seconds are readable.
**2:47**
